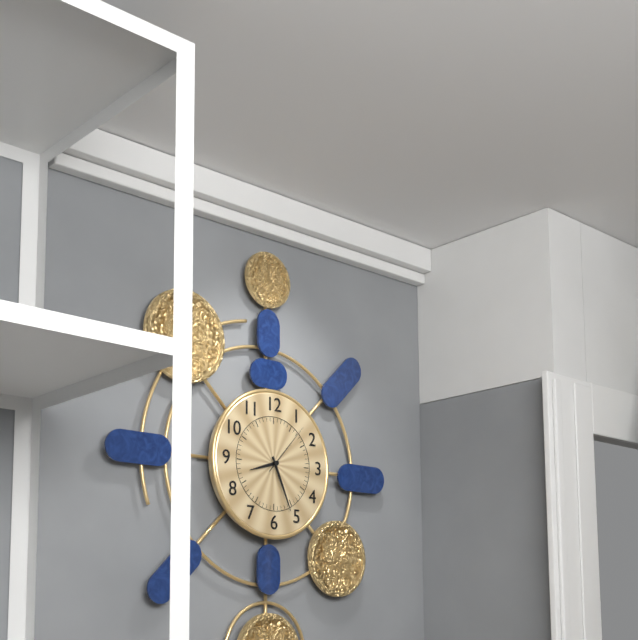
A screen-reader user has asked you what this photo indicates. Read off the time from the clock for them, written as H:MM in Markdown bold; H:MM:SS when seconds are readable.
**8:26:07**
